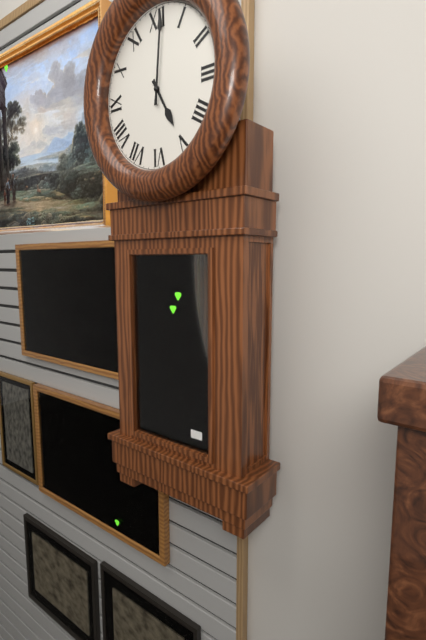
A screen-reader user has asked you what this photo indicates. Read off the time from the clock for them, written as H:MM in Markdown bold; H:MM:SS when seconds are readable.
**5:01**
